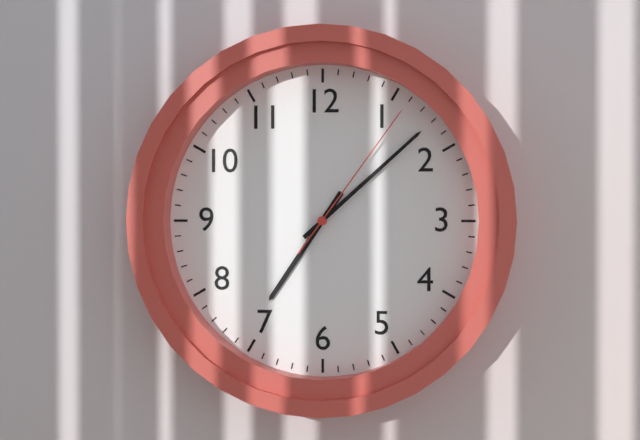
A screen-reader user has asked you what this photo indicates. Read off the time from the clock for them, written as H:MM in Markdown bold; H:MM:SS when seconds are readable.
**7:08:06**
